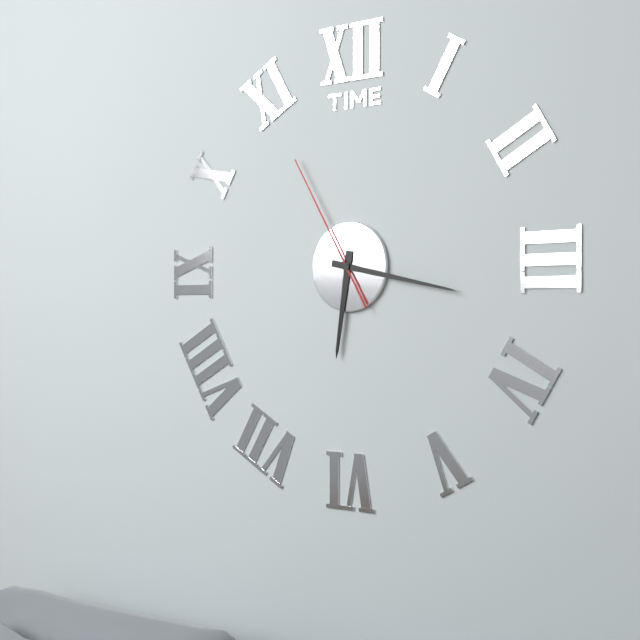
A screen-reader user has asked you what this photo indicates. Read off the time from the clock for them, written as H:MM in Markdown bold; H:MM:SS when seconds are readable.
**6:17:55**
